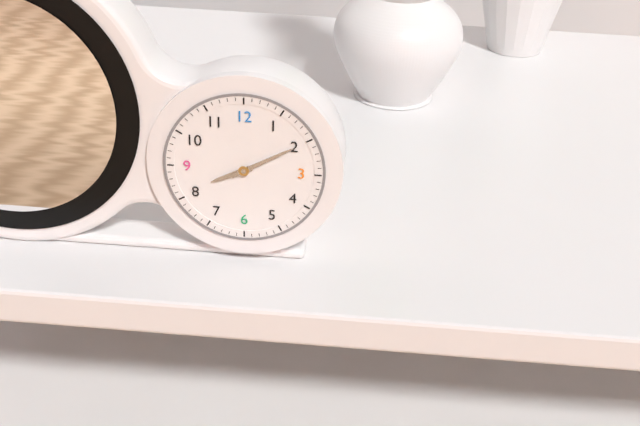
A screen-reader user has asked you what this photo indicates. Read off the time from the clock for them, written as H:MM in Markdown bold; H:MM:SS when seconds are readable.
**8:10**
